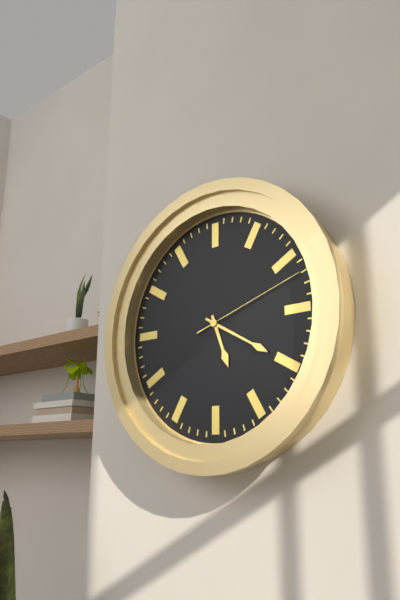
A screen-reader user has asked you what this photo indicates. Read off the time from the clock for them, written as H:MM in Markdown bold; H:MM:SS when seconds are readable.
**5:20:12**
